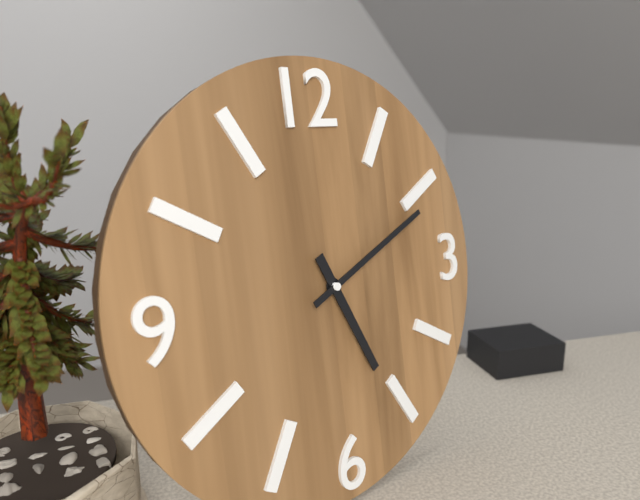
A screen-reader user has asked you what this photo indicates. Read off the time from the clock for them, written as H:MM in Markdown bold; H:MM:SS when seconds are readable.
**5:11**
